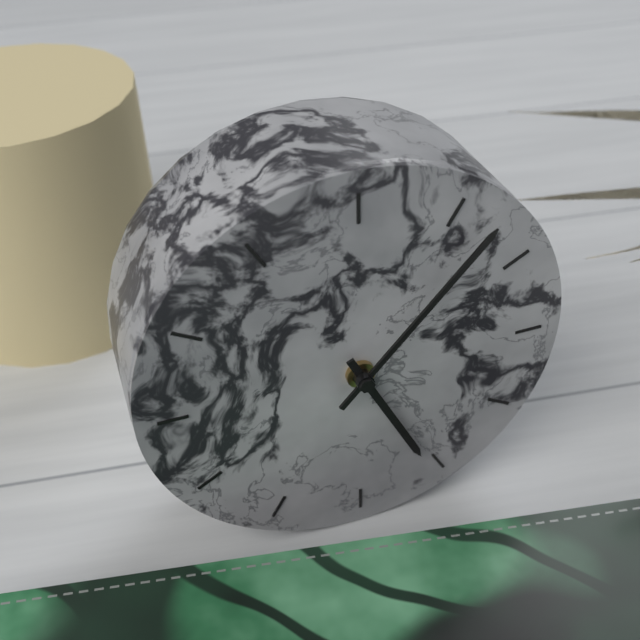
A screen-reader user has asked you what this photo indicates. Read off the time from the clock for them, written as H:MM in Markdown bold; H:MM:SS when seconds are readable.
**5:07**
